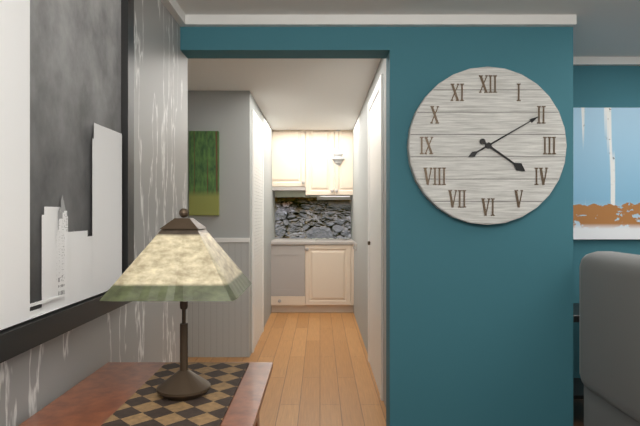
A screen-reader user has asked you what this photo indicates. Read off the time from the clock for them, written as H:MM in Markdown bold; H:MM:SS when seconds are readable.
**4:10**
